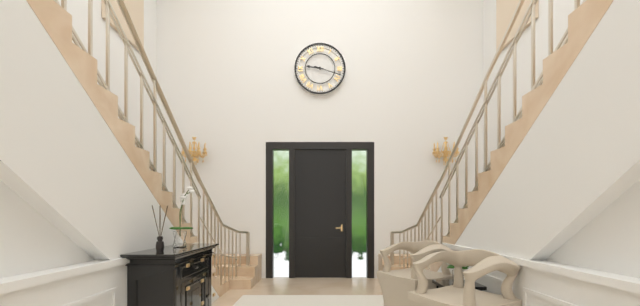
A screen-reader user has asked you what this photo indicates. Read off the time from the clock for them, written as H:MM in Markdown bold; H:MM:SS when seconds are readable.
**9:18**
